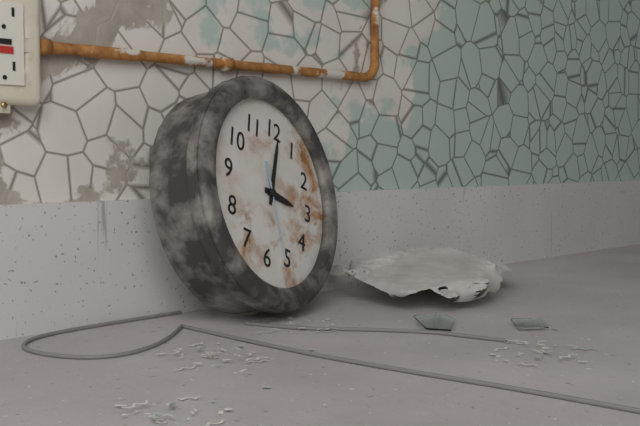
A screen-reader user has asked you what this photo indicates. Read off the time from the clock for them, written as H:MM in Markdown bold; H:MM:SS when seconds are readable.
**3:01:26**
